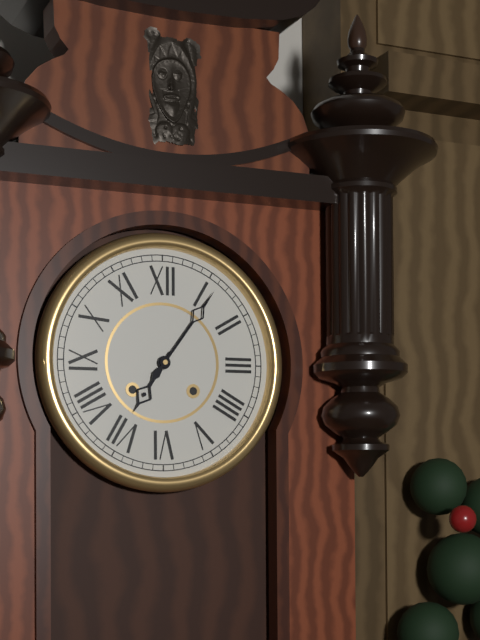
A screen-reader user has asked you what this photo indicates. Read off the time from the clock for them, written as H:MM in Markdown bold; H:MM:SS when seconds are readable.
**7:06**
